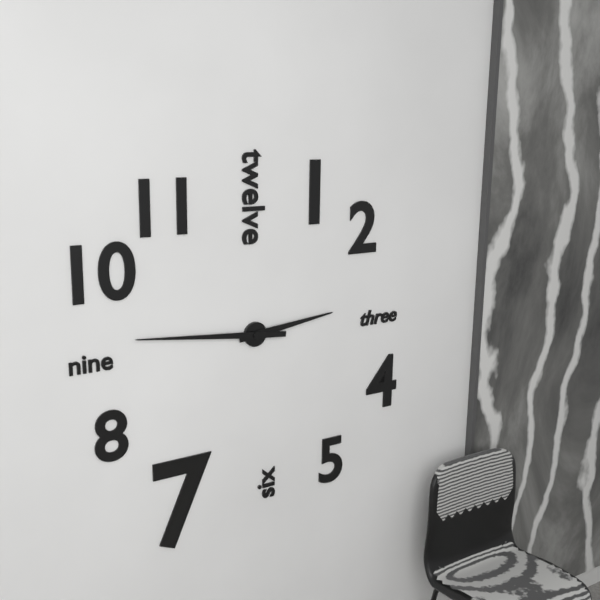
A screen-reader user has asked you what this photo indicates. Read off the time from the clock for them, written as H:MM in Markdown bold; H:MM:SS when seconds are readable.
**2:46**
